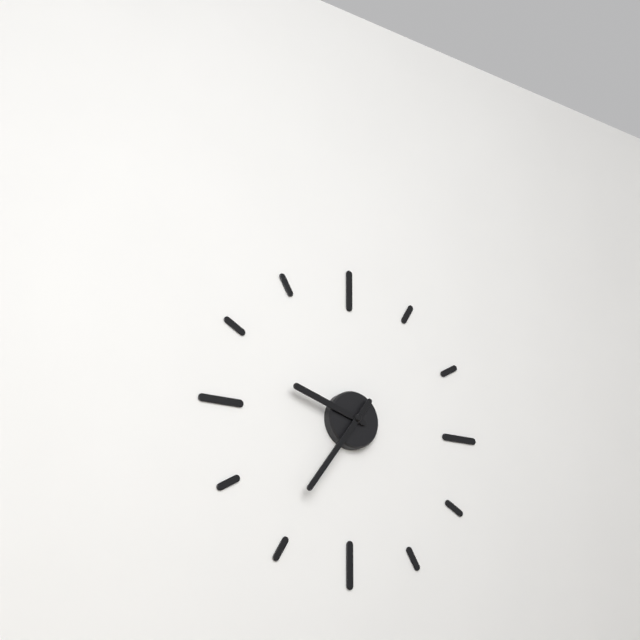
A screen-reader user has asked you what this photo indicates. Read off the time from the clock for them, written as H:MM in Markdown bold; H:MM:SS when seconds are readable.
**9:36**
